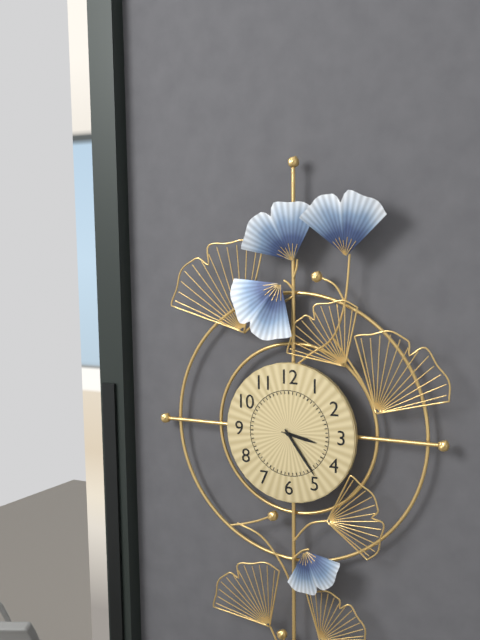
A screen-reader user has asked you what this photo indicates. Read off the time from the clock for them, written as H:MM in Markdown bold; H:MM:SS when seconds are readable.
**3:24**
